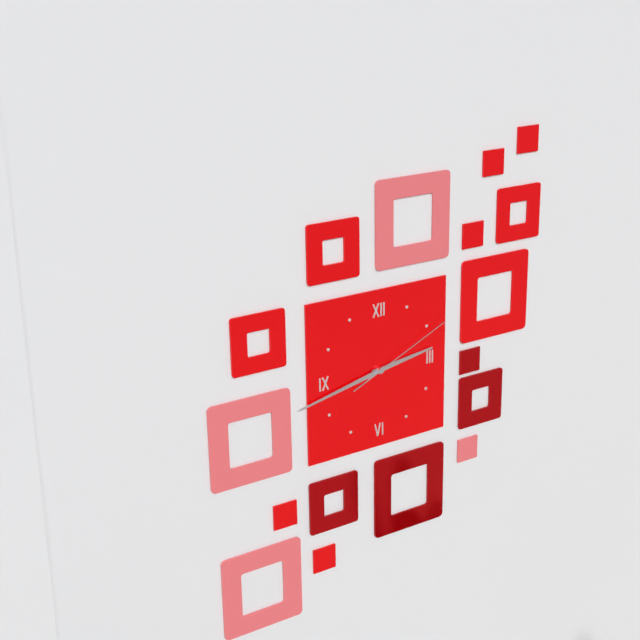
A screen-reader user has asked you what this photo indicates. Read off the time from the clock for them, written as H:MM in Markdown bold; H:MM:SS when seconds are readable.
**2:43:11**
